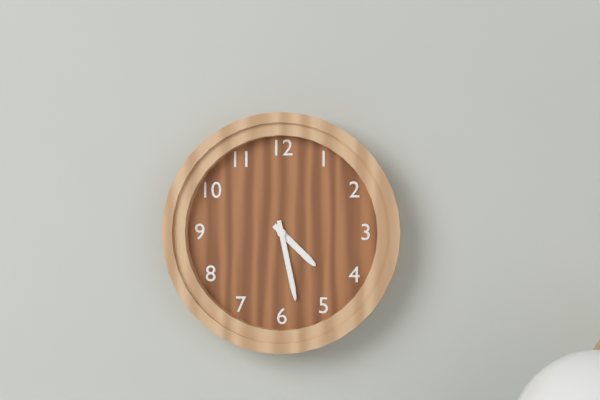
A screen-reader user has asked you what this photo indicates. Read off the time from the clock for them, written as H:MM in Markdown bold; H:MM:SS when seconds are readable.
**4:28**
